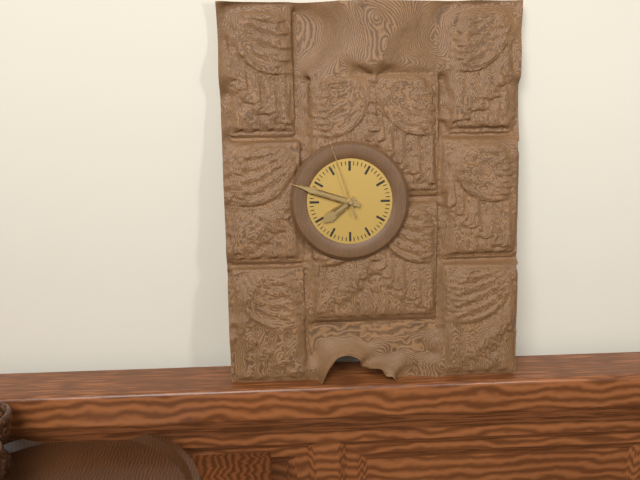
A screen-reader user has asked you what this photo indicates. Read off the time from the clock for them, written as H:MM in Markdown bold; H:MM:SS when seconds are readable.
**7:48:57**
